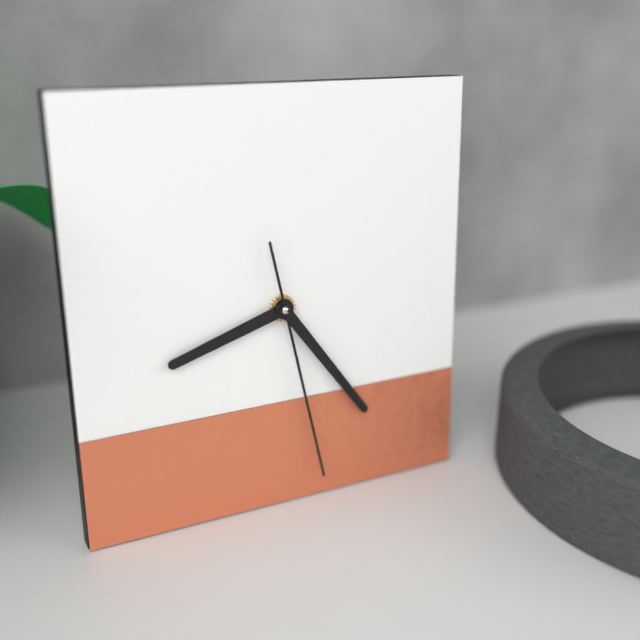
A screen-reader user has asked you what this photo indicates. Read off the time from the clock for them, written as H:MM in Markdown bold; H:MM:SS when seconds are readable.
**8:24:28**
